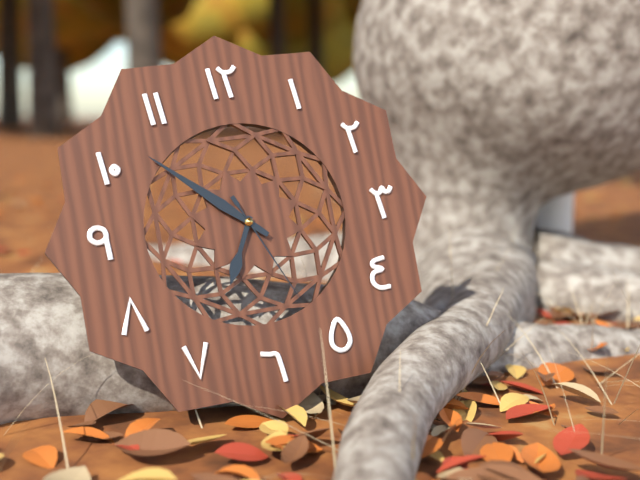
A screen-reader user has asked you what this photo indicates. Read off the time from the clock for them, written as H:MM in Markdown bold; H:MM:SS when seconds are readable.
**6:52:26**
